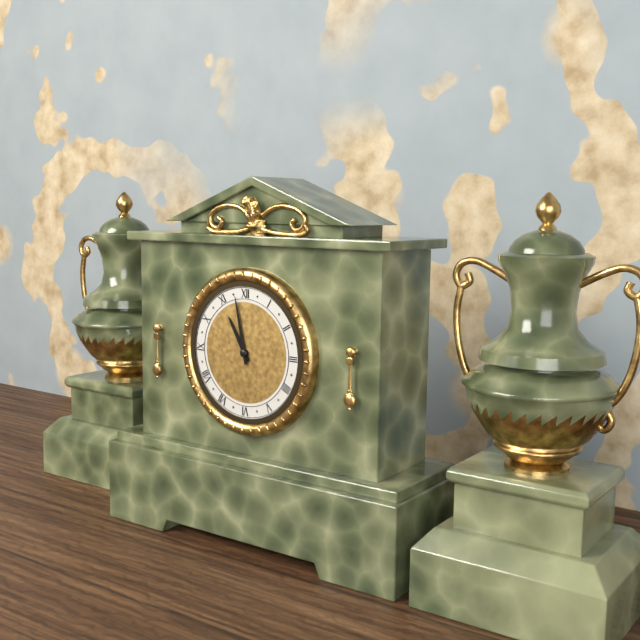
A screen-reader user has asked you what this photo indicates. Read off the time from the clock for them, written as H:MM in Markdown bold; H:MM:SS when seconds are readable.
**10:58**
